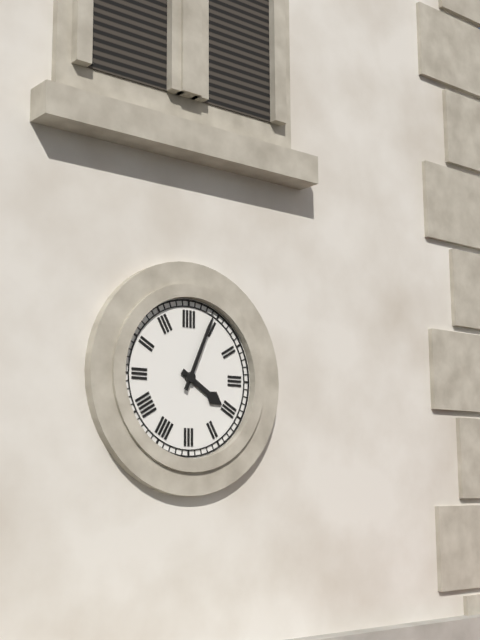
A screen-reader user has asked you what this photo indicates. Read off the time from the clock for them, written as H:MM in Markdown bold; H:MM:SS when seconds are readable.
**4:04**
